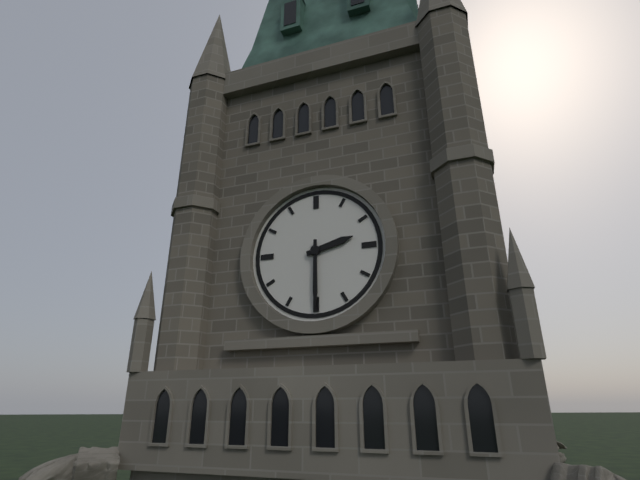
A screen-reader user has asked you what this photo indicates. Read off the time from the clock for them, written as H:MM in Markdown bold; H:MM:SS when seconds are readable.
**2:30**
